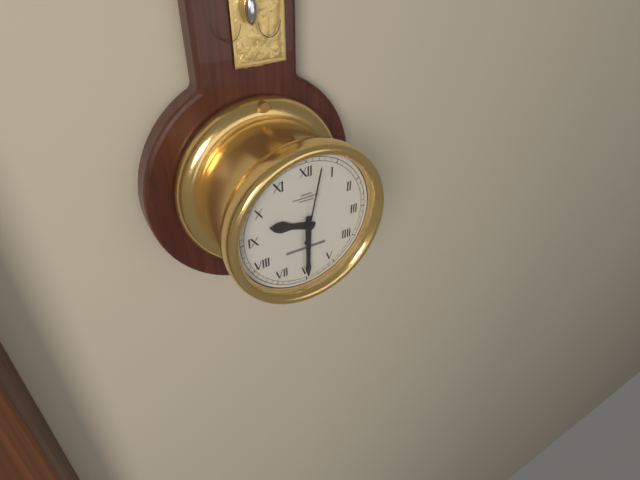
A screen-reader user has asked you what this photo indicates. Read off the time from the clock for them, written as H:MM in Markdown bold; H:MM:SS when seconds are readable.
**9:30:02**
